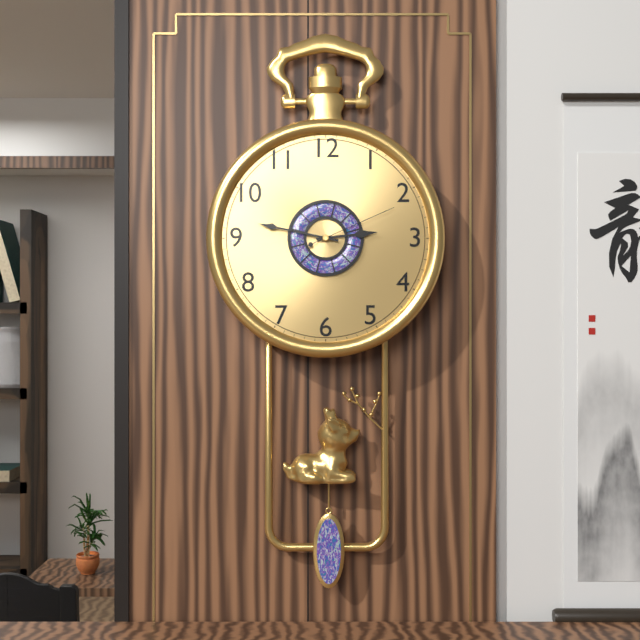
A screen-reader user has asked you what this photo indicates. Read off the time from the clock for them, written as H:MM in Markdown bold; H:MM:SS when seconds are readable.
**2:47:11**
